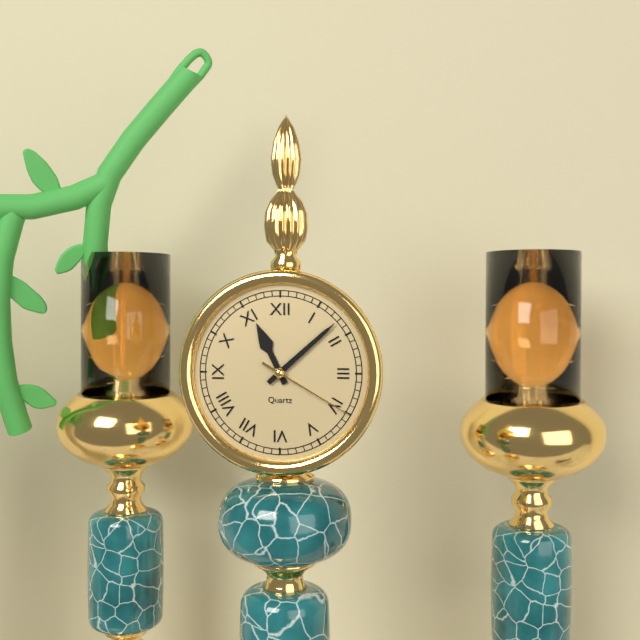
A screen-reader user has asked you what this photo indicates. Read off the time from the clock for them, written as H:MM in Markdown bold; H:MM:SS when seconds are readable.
**11:08:20**
